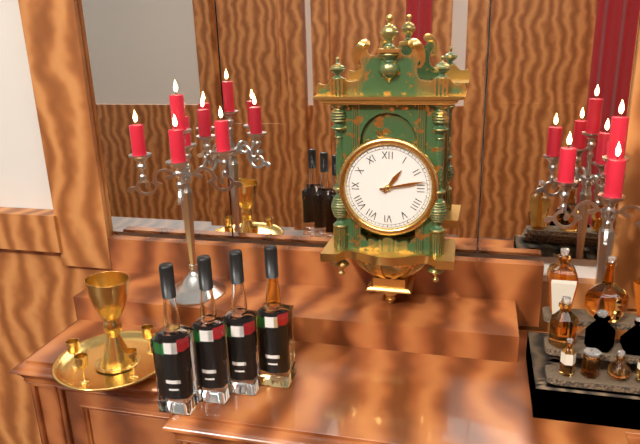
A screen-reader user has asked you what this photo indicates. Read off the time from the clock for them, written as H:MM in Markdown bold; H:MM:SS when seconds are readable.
**1:13**
